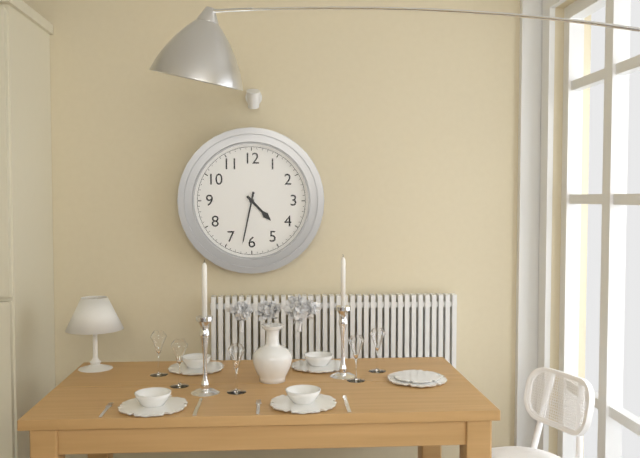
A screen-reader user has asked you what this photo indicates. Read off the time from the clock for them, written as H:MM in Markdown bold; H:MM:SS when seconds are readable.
**4:32**
